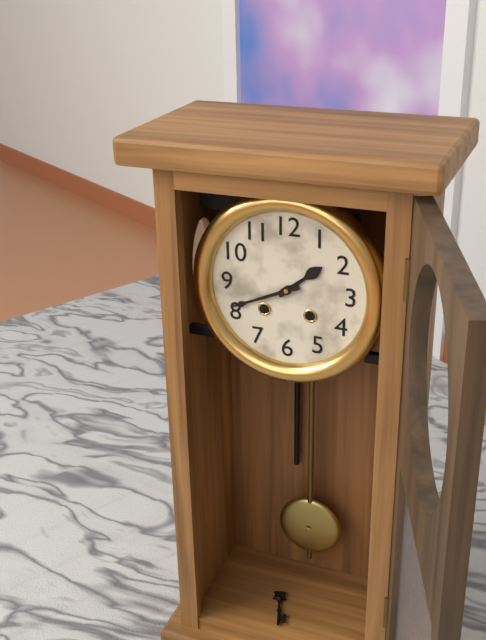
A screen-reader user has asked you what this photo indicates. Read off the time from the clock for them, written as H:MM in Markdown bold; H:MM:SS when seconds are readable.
**1:41**
